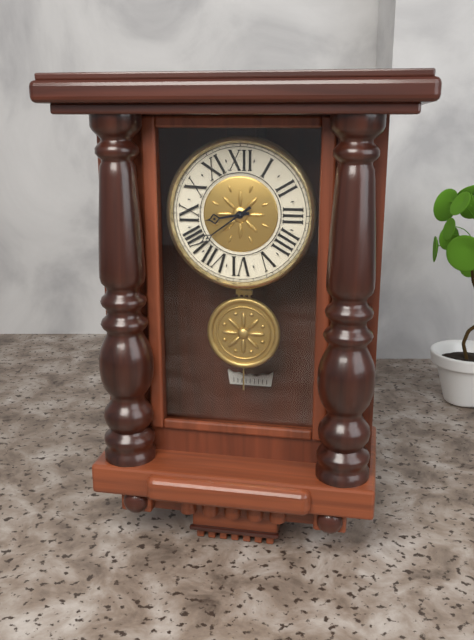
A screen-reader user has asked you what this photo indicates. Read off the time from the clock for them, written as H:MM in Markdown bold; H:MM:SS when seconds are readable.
**8:39**
